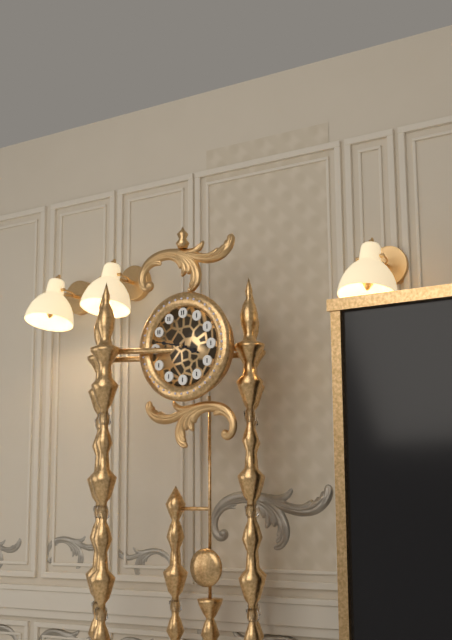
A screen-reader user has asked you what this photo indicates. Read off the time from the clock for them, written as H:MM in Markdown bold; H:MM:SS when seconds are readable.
**3:47**
